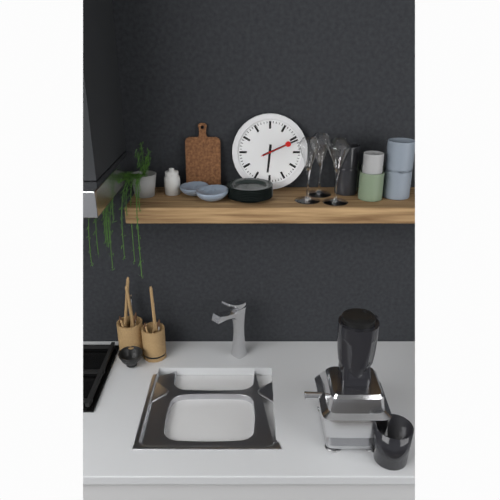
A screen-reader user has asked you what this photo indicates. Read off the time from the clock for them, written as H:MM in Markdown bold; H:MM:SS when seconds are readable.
**6:11**
